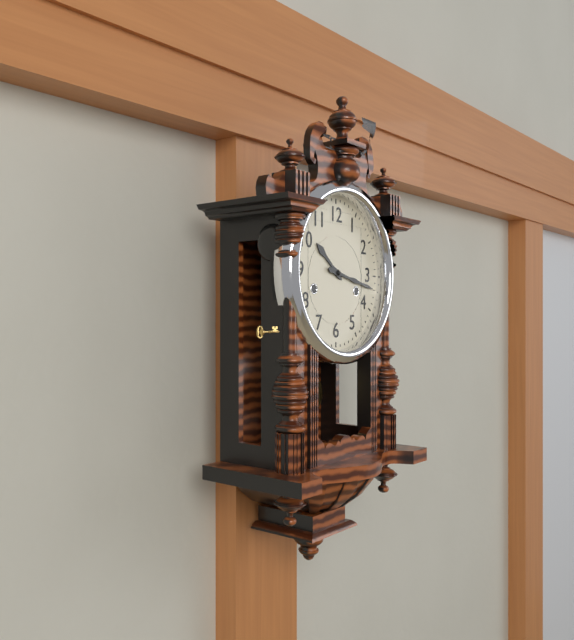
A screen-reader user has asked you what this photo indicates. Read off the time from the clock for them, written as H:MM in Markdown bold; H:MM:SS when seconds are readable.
**10:17**
